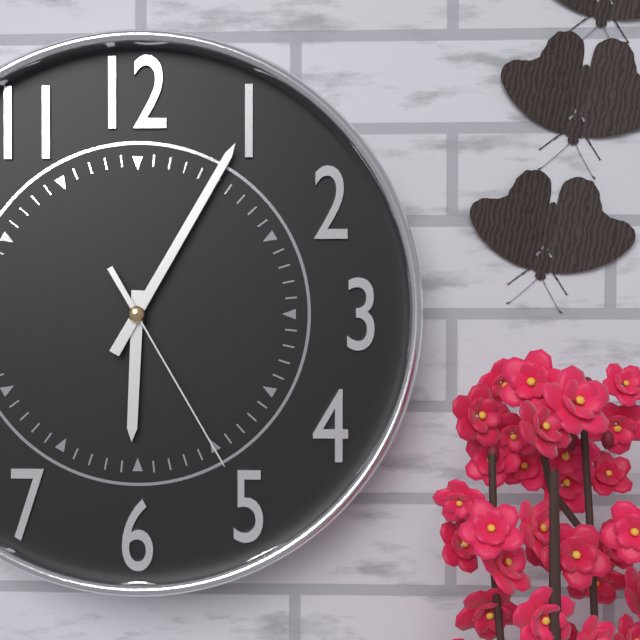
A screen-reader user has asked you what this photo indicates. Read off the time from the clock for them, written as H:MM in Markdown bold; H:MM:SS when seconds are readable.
**6:05:25**
